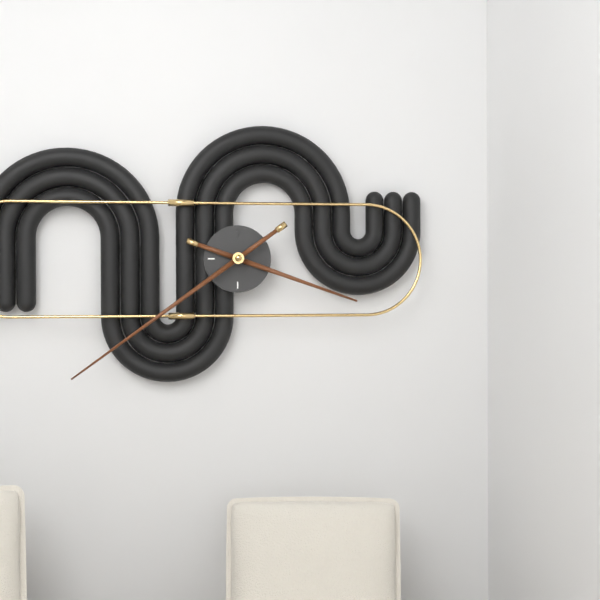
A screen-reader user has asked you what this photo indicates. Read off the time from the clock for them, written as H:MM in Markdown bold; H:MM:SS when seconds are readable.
**3:39**
